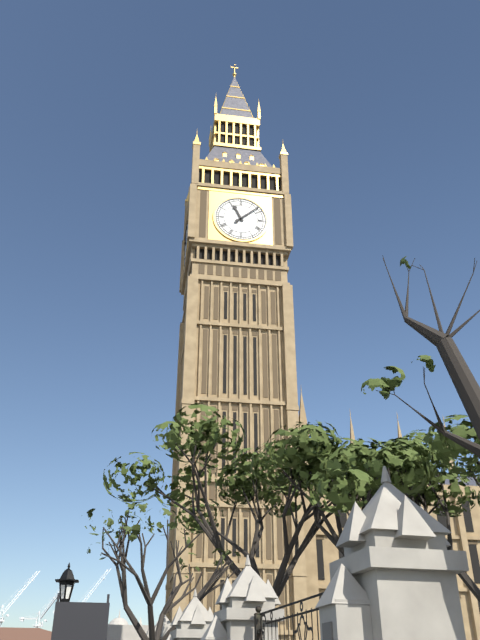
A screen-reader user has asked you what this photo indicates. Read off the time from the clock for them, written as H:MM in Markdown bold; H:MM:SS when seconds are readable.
**11:08**
